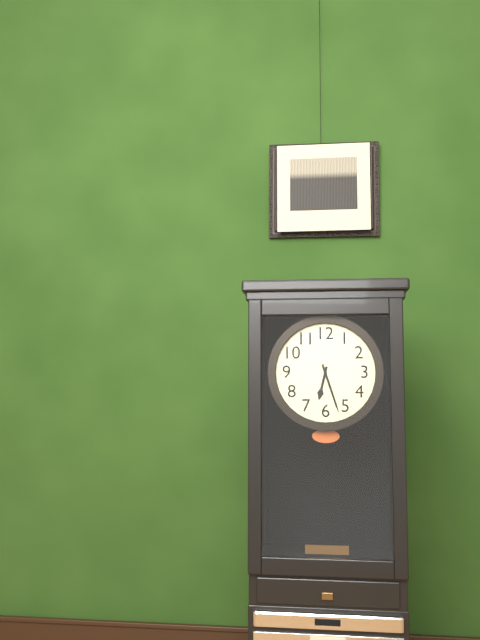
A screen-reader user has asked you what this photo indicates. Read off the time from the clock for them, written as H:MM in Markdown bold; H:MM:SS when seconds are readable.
**6:27**
